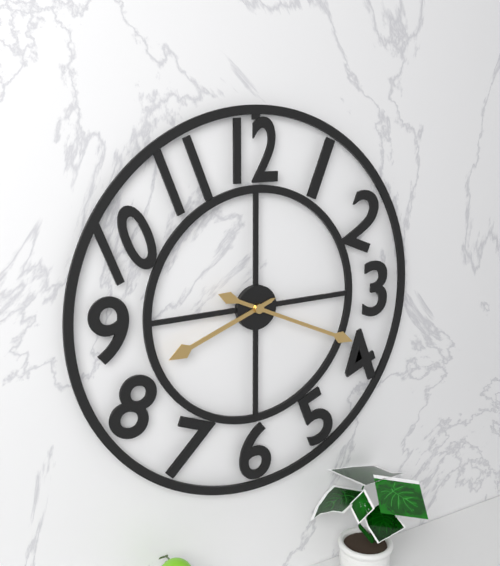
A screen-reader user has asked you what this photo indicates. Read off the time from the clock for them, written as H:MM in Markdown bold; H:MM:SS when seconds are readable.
**8:19**
